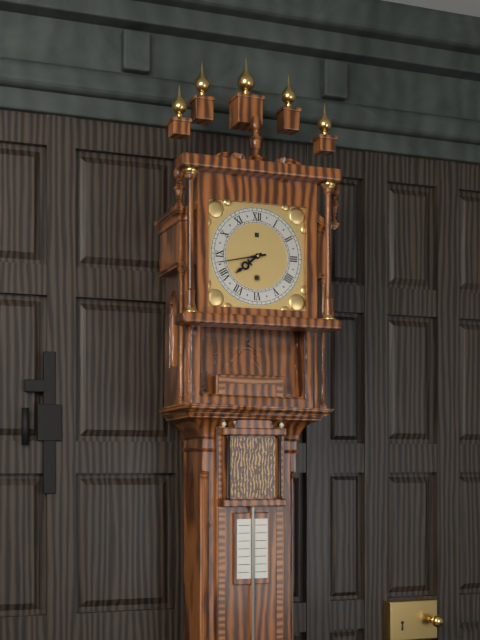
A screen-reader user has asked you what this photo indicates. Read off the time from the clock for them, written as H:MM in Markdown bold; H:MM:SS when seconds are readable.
**7:43**
